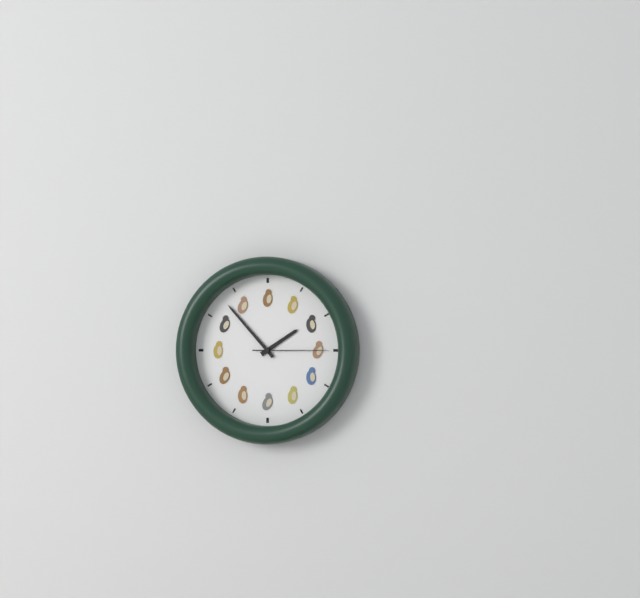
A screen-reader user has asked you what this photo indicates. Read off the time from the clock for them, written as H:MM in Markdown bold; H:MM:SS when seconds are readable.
**1:53:15**
